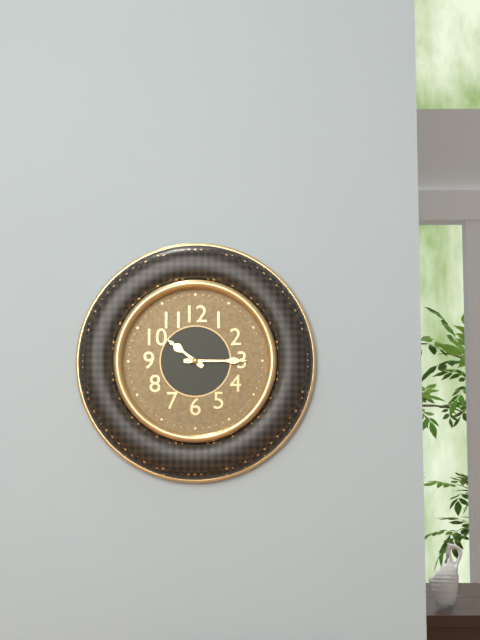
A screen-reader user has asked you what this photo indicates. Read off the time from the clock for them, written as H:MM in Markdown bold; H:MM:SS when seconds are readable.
**10:15**
